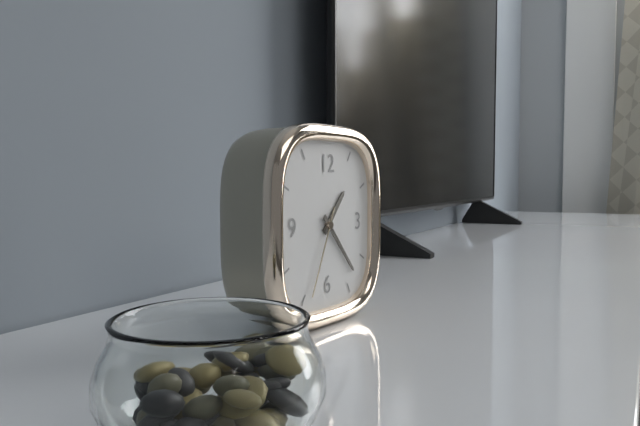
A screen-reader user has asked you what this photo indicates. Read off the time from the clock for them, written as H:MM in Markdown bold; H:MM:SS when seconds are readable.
**1:23:34**
